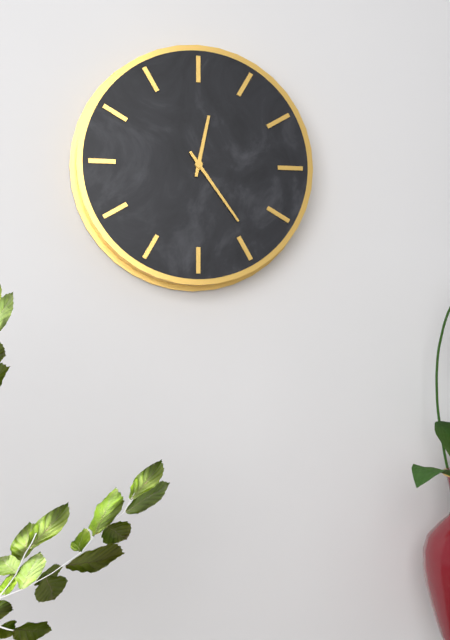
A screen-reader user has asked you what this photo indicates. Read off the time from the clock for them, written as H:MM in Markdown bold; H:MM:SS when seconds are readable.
**12:24**
